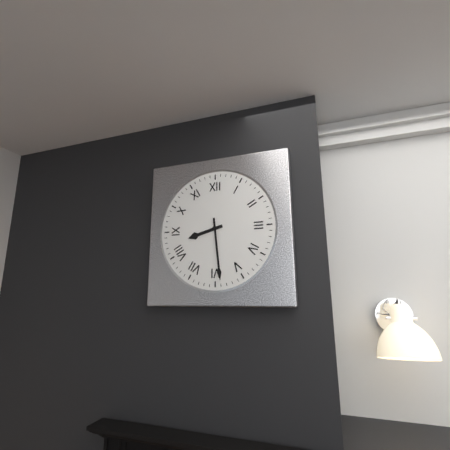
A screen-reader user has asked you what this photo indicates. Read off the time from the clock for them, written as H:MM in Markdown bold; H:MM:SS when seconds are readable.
**8:29**
